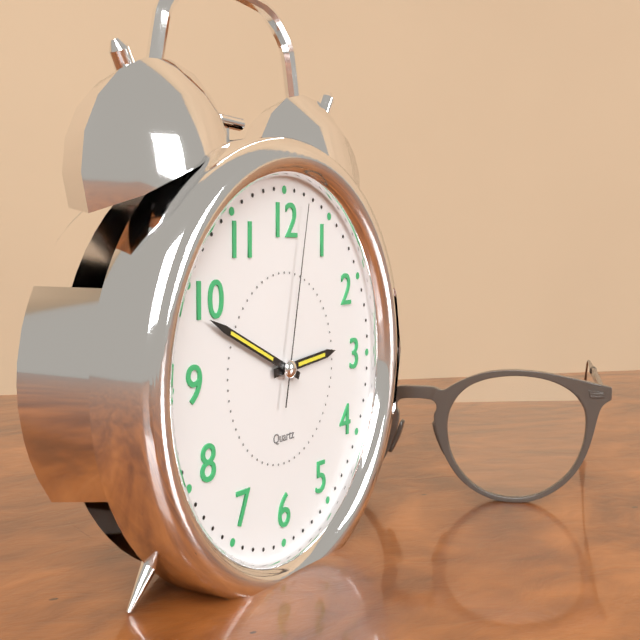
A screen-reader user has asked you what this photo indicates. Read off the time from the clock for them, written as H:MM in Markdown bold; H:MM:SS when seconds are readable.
**2:49:02**
